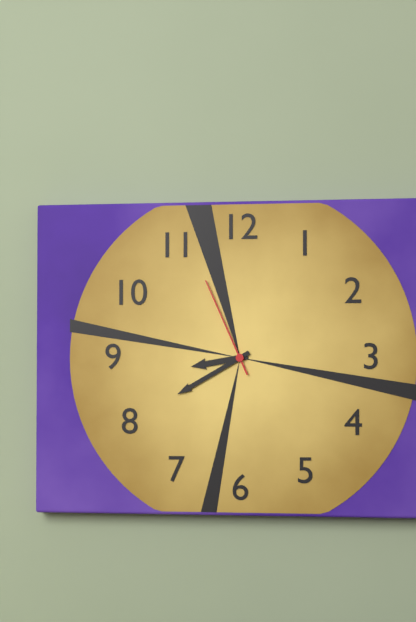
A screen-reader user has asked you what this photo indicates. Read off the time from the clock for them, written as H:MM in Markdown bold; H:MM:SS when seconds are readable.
**8:40:56**
